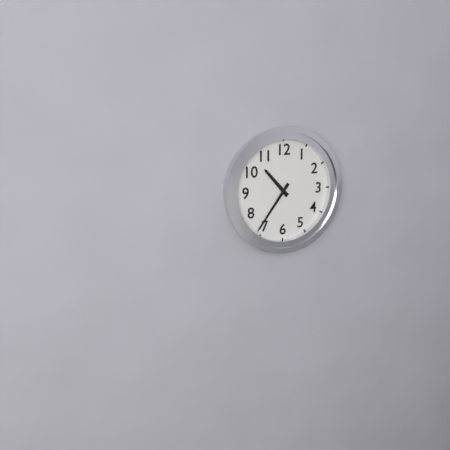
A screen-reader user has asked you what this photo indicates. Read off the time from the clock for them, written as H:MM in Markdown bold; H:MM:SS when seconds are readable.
**10:36**
